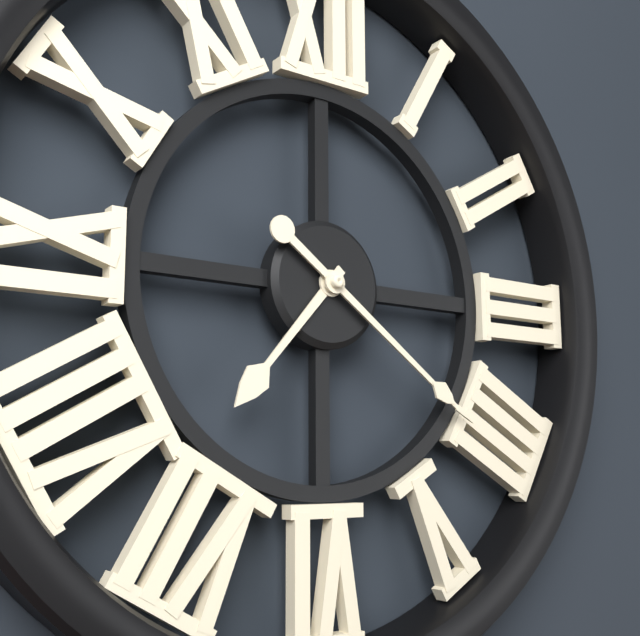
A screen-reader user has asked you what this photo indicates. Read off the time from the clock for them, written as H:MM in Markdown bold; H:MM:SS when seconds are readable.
**7:21**
